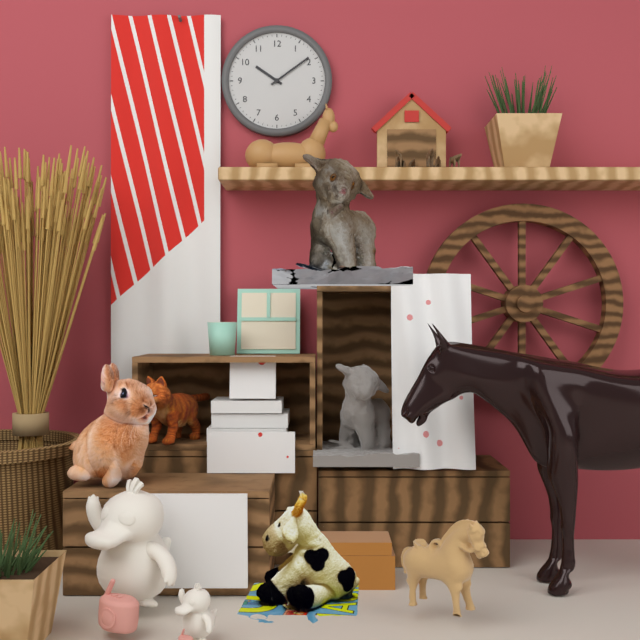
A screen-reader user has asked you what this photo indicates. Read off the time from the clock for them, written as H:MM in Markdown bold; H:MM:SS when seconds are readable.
**10:09**
